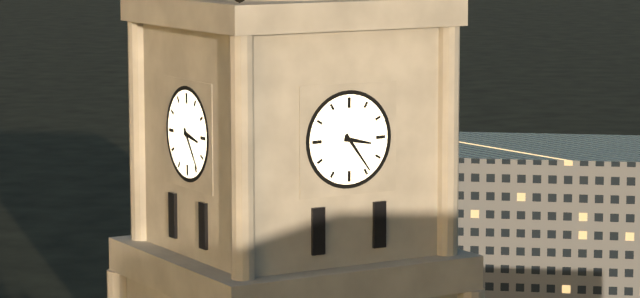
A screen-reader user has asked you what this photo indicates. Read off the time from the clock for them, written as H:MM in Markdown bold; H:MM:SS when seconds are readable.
**3:24**
